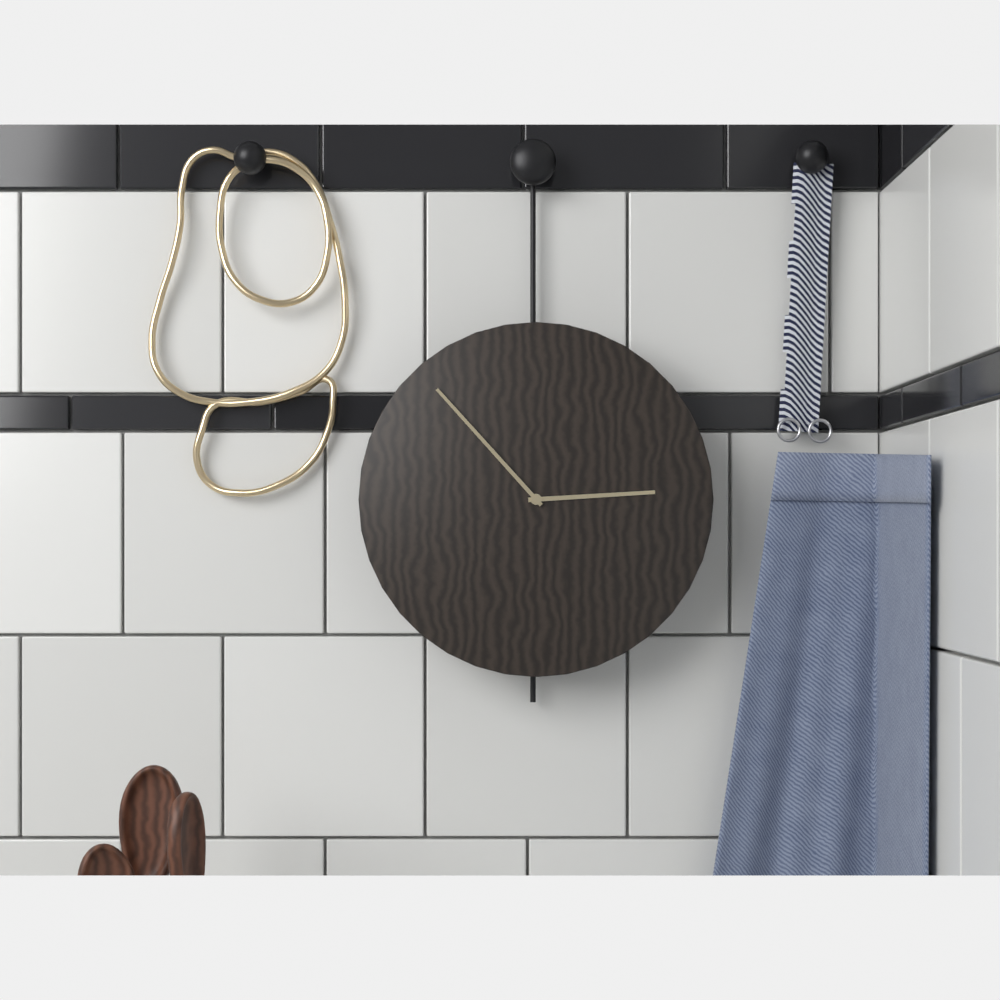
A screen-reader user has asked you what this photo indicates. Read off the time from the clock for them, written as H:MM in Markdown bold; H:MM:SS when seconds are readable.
**2:53**
